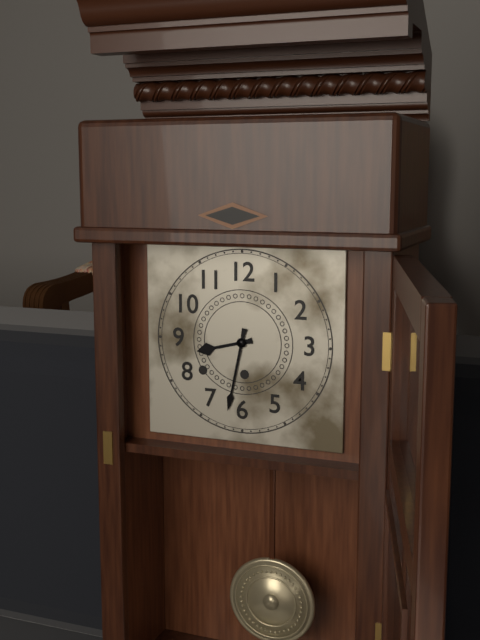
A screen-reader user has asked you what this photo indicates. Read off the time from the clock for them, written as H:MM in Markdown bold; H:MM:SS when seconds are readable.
**8:32**
